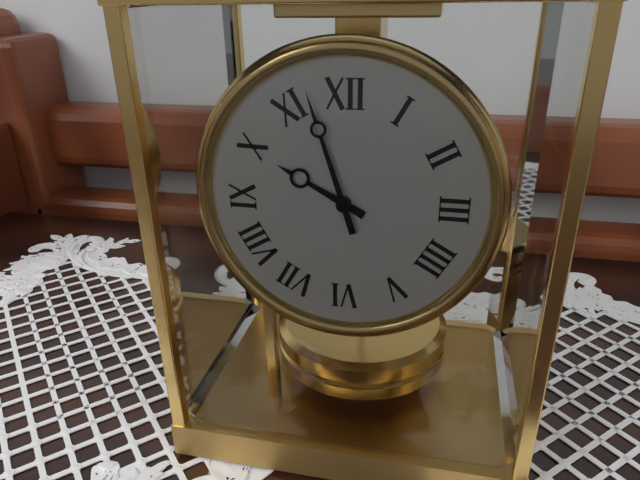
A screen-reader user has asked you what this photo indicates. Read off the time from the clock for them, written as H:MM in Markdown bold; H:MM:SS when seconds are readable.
**9:57**
